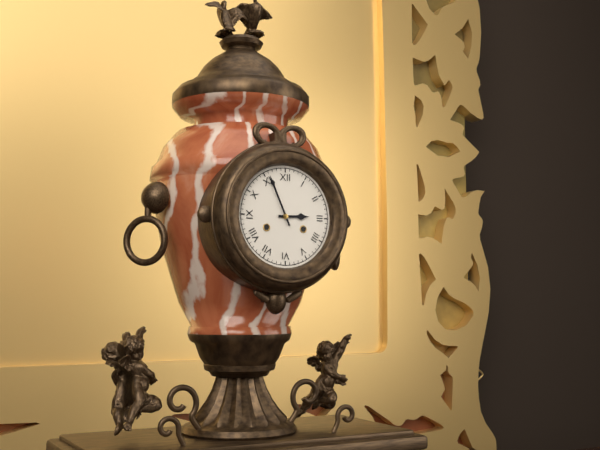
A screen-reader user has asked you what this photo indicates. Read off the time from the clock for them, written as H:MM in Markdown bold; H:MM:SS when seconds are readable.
**2:56**
